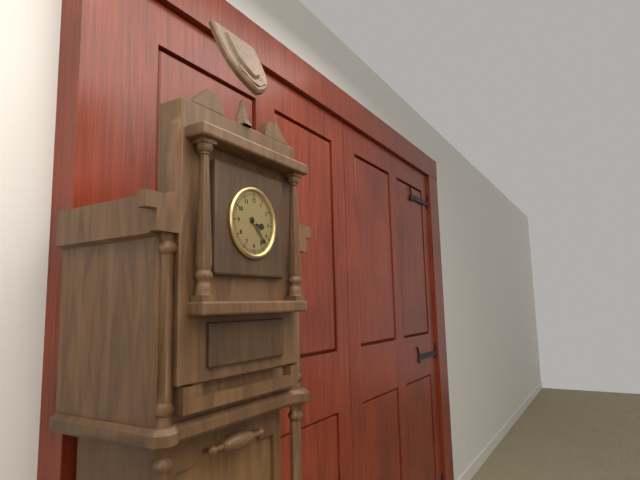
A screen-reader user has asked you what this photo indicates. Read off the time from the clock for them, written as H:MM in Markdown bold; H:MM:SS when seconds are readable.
**3:23**
